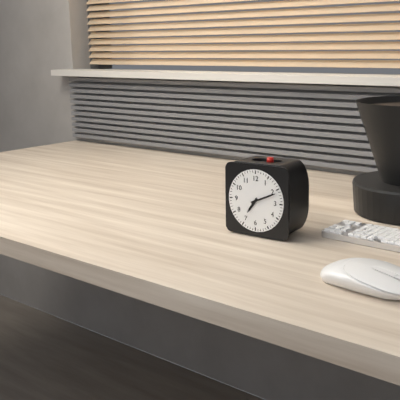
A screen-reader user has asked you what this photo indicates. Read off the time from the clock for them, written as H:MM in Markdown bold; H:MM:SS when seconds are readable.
**7:11**
